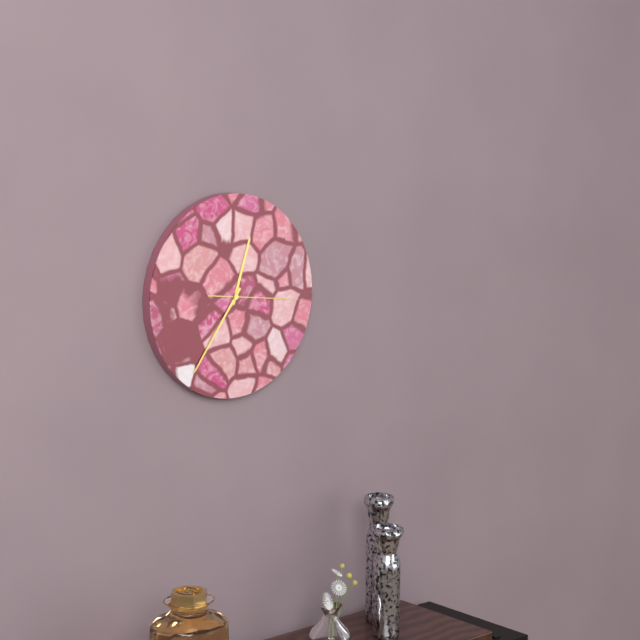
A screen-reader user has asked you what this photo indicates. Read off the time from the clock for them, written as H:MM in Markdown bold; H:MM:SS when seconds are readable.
**12:36:16**
